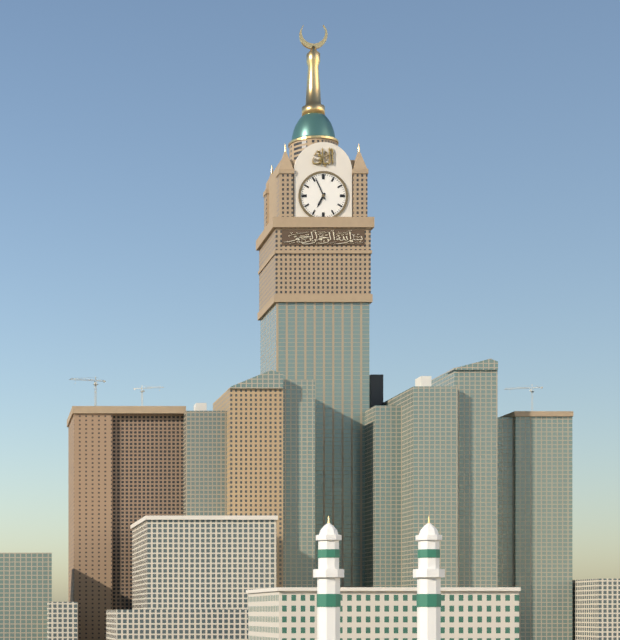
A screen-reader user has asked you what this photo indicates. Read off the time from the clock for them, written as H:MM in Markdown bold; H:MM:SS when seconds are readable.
**6:56**
